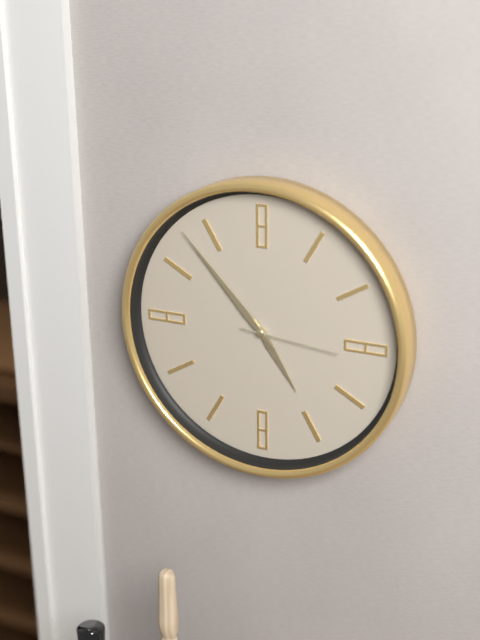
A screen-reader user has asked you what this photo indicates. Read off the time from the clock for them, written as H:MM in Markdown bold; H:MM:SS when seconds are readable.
**4:53:16**
